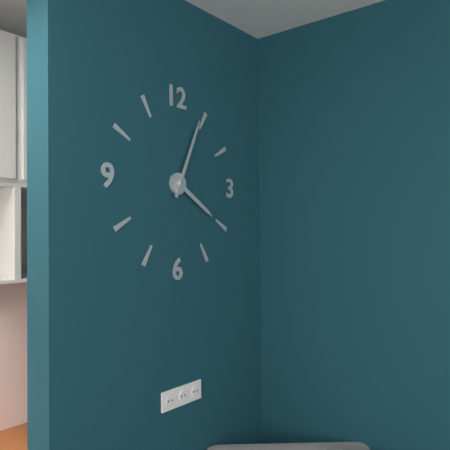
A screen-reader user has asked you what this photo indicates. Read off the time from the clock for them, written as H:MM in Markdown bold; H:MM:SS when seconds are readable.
**4:04**
